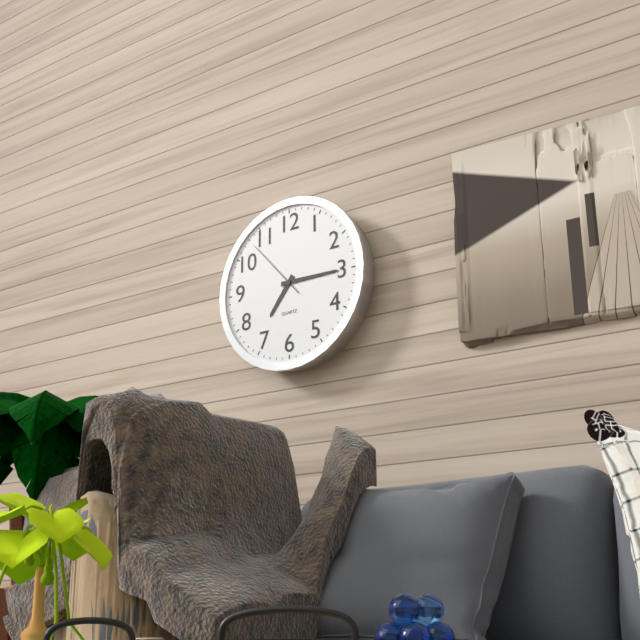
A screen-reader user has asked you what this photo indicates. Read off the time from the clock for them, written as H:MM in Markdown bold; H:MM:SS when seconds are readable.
**7:15:53**
